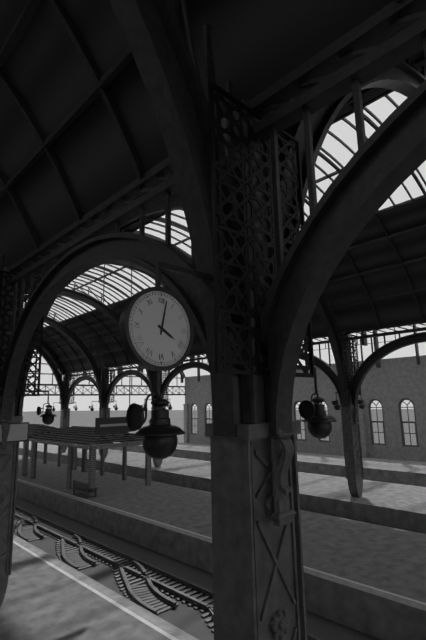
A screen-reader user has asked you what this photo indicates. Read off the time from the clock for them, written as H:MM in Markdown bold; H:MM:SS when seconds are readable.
**4:02**
